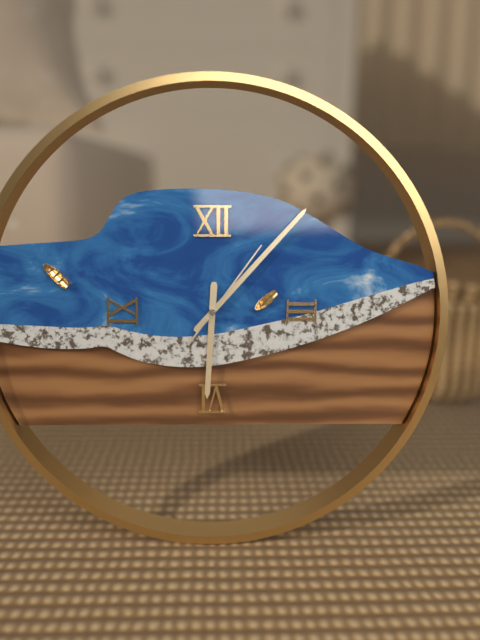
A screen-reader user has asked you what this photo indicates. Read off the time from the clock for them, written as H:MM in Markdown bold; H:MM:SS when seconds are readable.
**6:07:06**
